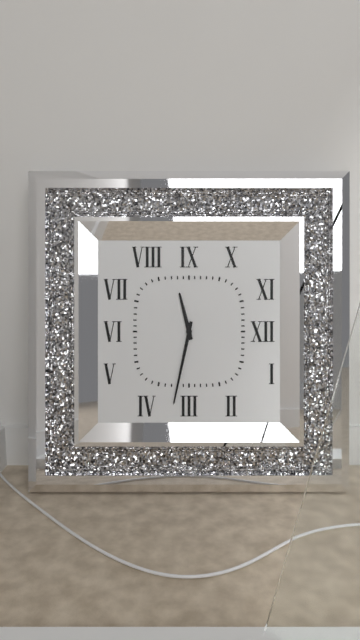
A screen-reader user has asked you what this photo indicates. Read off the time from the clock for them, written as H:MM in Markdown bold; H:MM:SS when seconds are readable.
**11:32**
